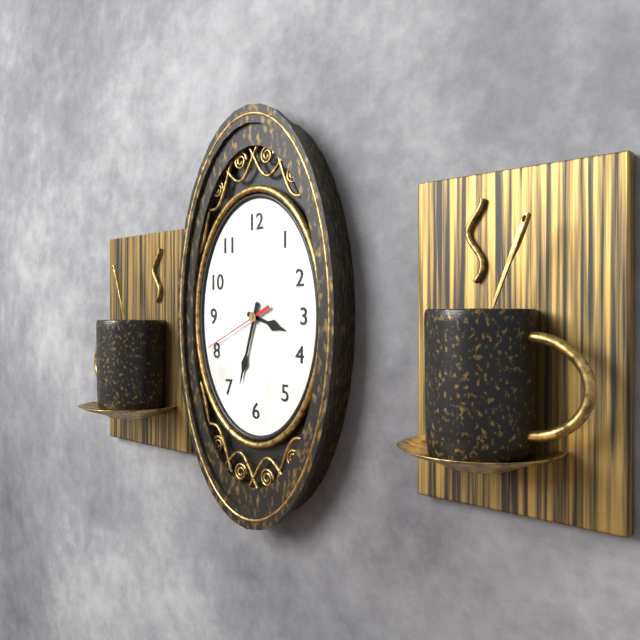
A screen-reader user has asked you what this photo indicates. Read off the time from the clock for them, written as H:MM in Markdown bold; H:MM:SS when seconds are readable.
**3:33:41**
